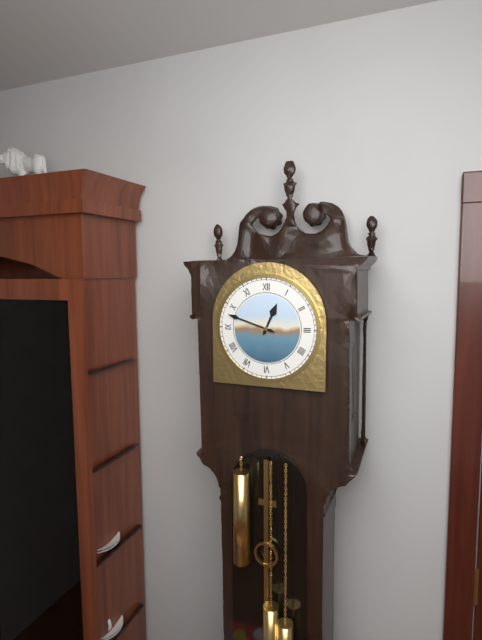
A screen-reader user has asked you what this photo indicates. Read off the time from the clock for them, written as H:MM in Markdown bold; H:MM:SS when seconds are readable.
**12:48**
